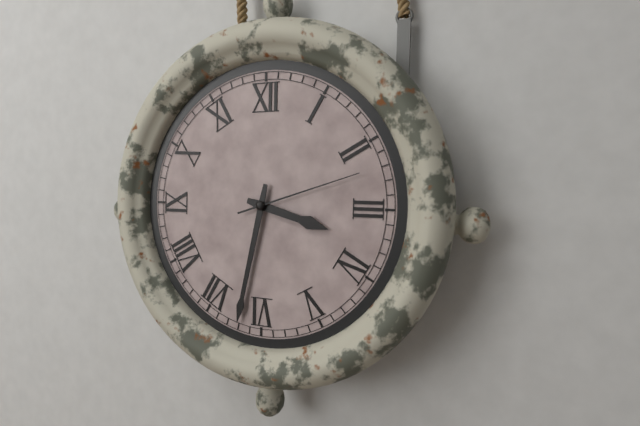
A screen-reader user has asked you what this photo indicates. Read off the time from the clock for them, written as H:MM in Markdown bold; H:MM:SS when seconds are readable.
**3:32:12**
